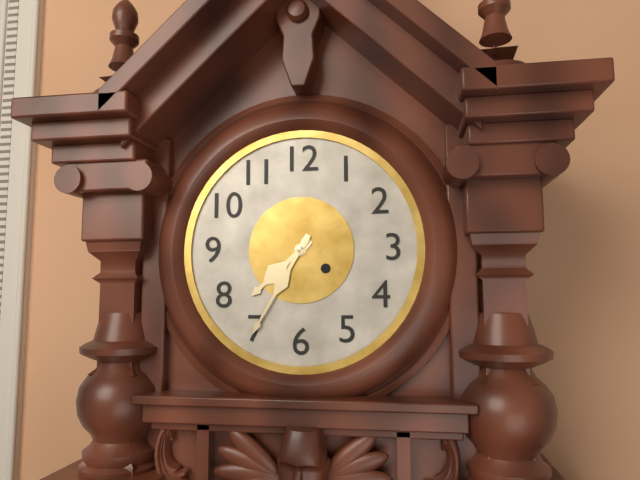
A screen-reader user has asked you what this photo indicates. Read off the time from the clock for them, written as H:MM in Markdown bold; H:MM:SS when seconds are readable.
**7:35**
